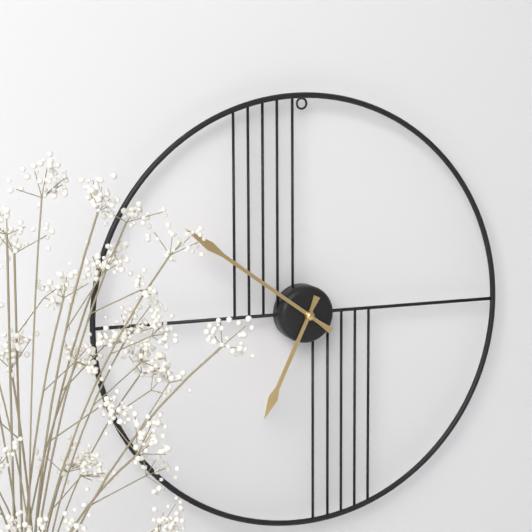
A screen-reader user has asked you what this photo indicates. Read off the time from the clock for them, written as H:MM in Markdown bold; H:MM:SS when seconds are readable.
**6:51**
